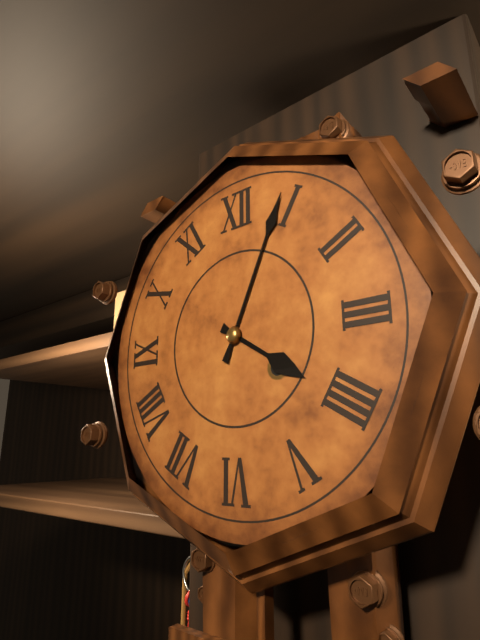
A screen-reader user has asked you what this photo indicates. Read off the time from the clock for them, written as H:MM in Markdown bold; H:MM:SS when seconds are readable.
**4:04**
